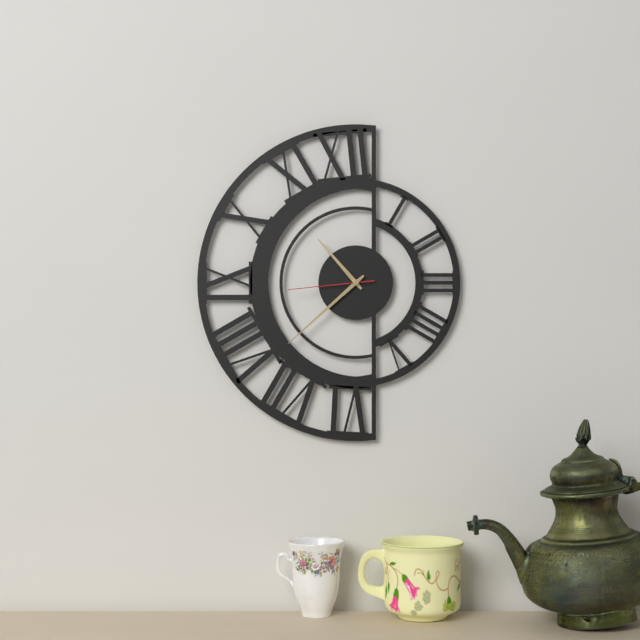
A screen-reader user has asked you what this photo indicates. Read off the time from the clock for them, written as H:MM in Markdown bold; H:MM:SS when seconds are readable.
**10:38:44**
